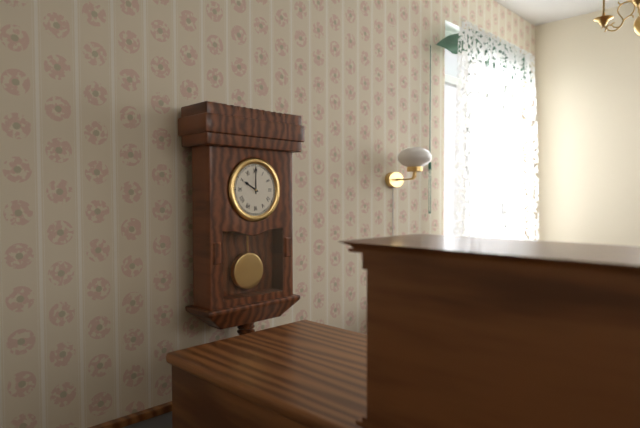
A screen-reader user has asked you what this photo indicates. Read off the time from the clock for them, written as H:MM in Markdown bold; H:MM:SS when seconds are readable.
**10:00**
